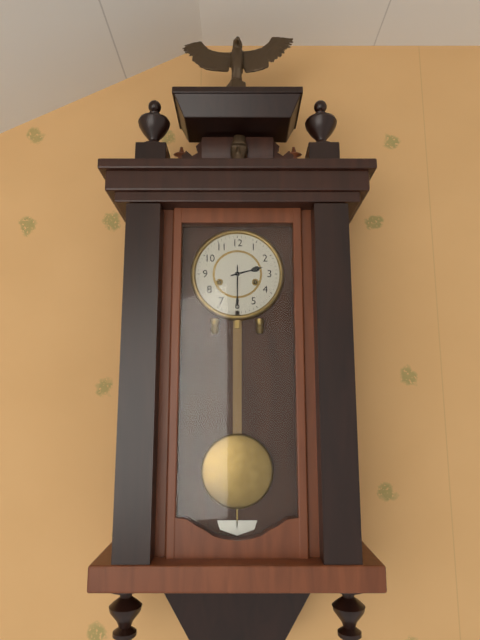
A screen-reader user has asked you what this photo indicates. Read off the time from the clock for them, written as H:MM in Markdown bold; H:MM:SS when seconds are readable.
**2:30**
